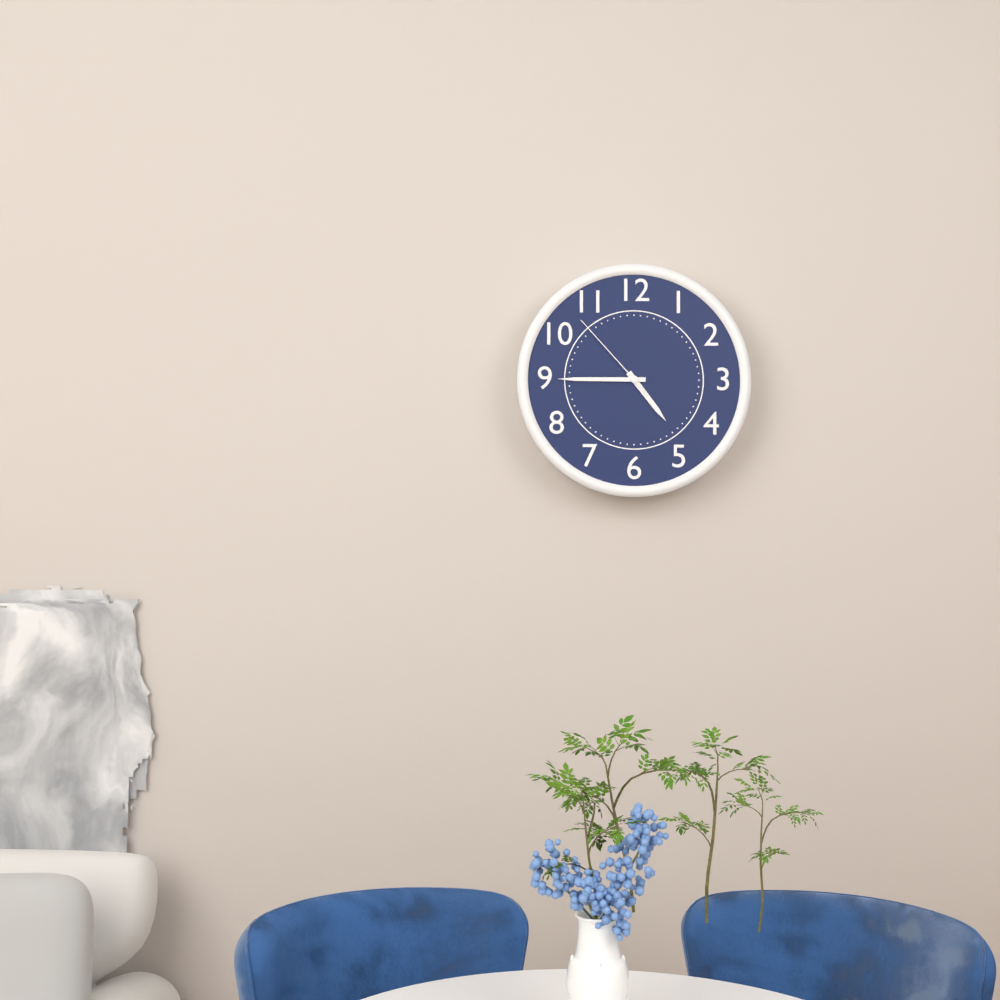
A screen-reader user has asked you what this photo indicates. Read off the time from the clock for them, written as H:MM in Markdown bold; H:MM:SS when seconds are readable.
**4:45:53**
